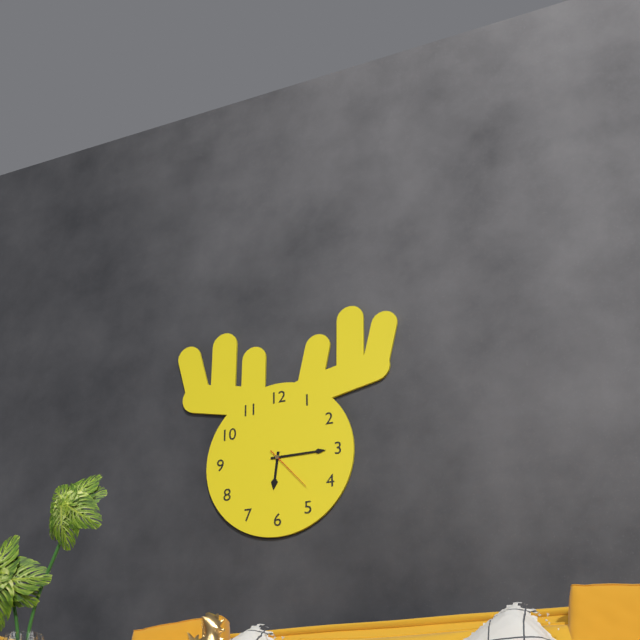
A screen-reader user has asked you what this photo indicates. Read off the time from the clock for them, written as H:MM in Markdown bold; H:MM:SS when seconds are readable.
**6:15**
